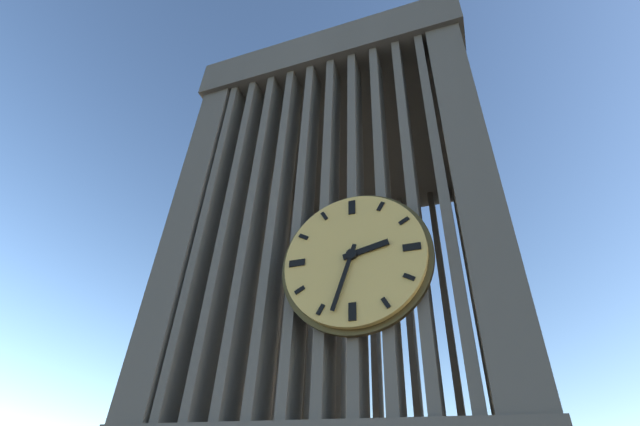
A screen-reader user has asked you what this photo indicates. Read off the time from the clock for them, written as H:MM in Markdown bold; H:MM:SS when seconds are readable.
**2:33**
